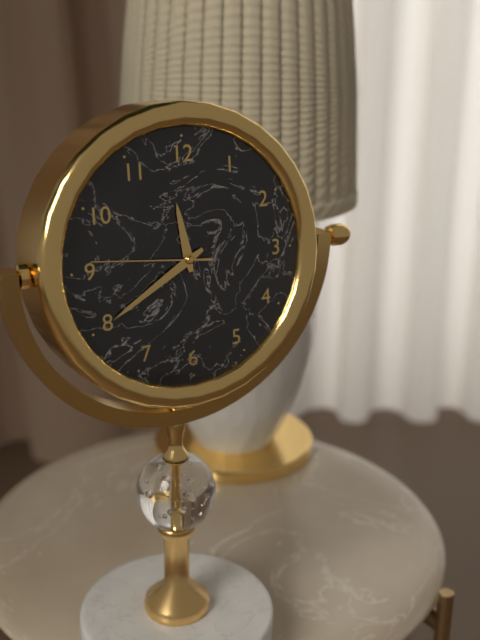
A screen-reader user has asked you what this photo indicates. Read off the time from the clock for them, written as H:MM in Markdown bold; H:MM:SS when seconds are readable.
**11:40:46**
